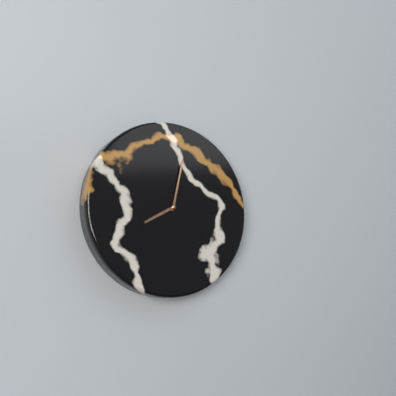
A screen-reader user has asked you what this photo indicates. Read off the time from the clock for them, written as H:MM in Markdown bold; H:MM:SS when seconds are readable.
**8:02**
